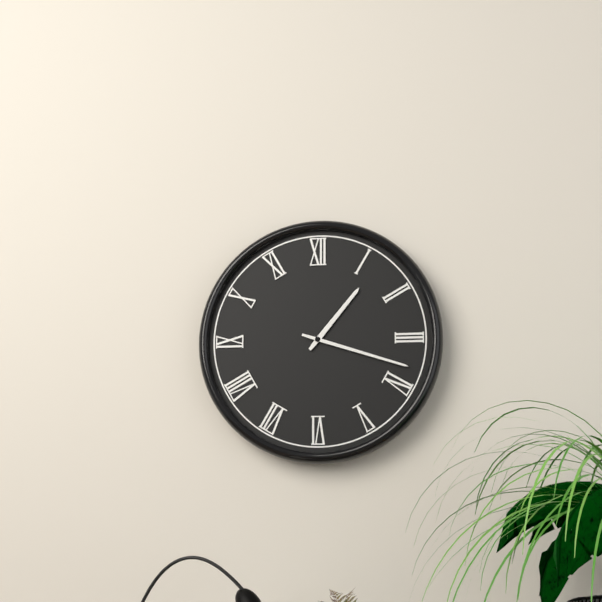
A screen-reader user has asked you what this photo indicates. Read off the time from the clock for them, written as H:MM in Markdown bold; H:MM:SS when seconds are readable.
**1:18**
